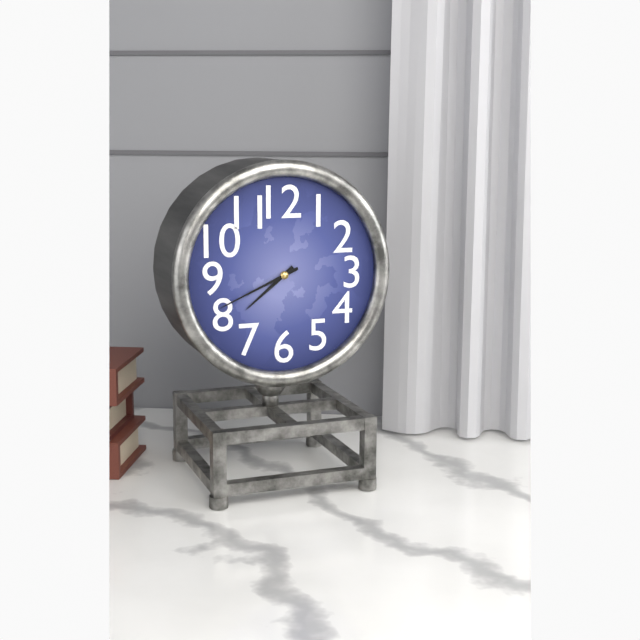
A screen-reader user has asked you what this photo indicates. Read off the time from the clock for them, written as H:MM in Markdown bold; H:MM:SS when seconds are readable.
**7:41**
